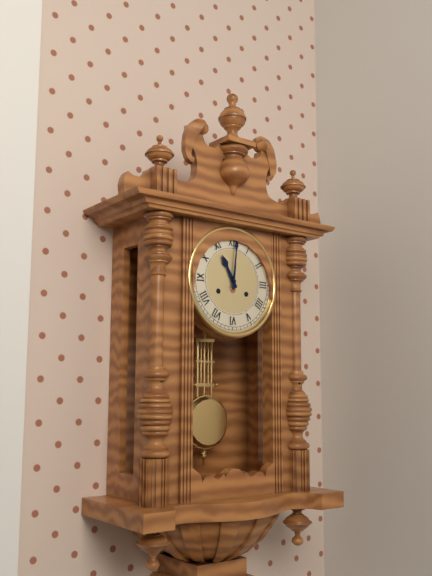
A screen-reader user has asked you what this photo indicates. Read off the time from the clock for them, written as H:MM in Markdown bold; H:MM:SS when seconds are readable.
**11:01**
